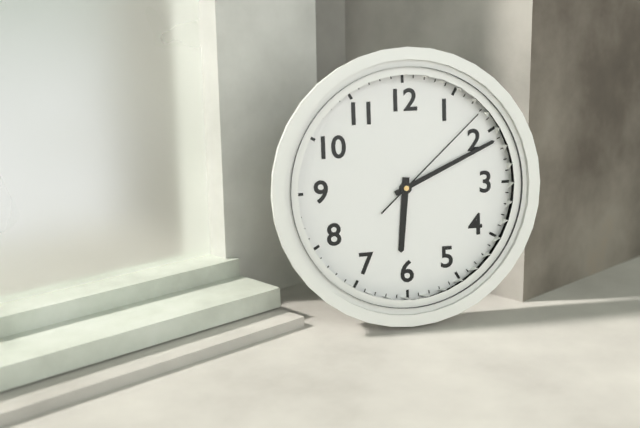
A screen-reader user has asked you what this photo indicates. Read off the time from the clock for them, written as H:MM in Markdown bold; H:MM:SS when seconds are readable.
**6:11:08**
